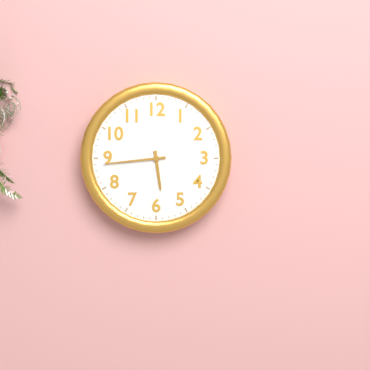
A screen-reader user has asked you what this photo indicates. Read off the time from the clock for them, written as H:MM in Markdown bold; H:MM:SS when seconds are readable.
**5:44**
